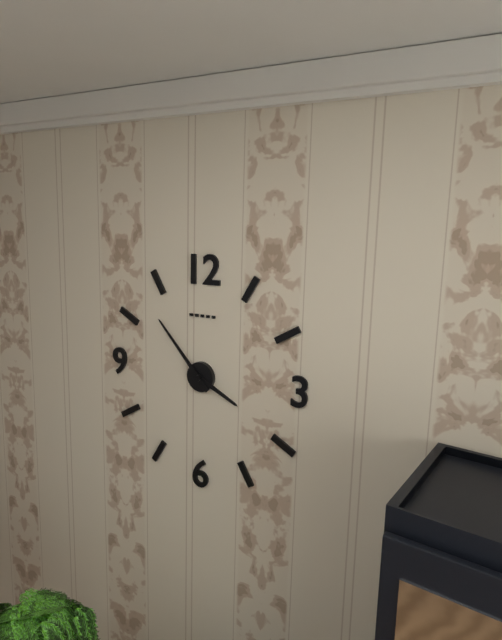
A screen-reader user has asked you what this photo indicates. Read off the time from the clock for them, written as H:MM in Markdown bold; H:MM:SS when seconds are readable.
**3:53**
